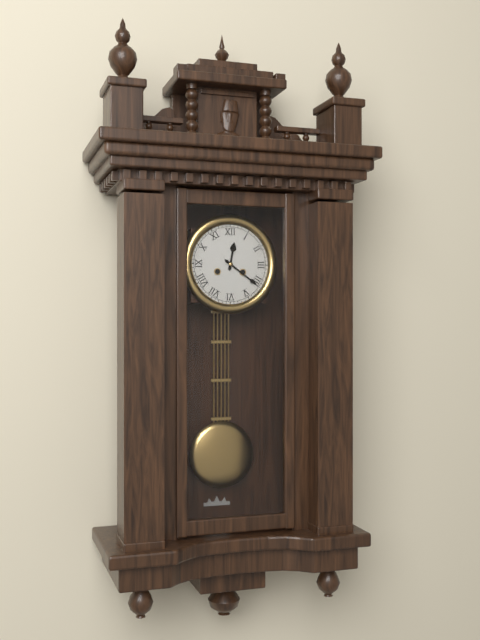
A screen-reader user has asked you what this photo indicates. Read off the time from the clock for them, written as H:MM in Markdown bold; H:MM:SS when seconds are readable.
**12:21**
